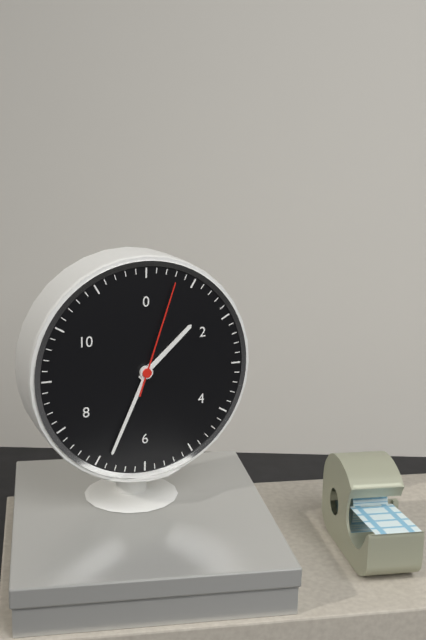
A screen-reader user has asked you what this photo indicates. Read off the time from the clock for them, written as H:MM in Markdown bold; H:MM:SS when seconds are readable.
**1:34:03**
